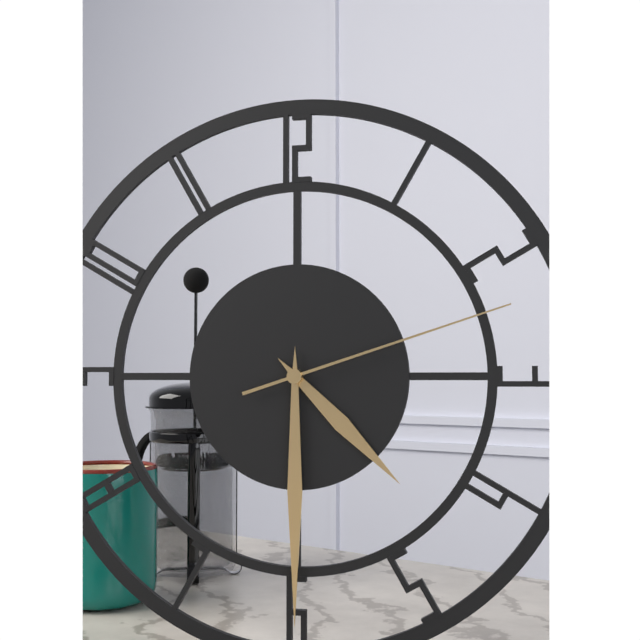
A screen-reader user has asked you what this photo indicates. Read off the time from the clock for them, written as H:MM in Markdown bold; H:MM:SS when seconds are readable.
**4:30:12**
